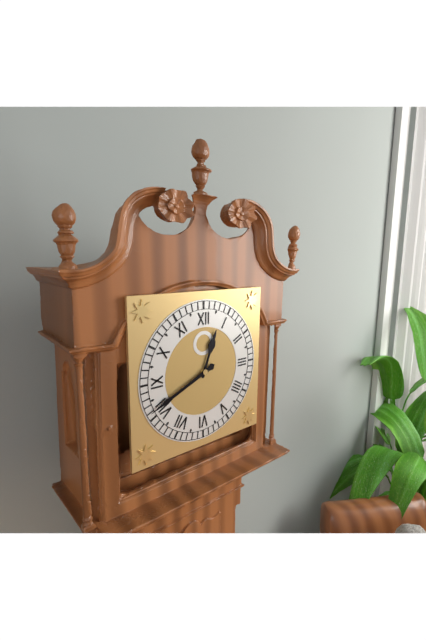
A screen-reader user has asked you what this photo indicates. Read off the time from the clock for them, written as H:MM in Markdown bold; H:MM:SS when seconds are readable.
**12:41**
